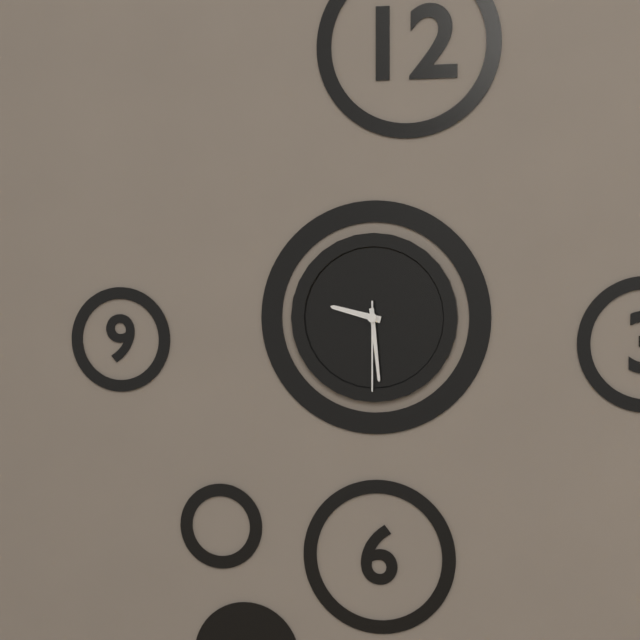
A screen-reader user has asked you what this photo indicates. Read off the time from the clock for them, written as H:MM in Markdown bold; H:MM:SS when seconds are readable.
**9:29:30**
